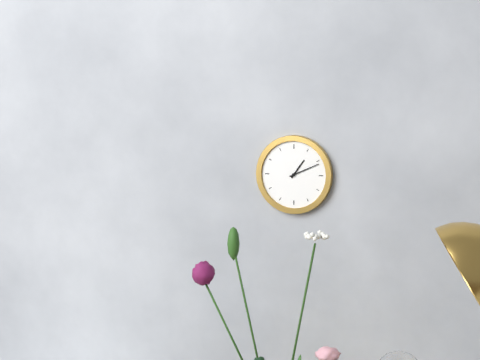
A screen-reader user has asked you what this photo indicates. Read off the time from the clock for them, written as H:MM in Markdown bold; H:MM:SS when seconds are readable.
**1:11**
